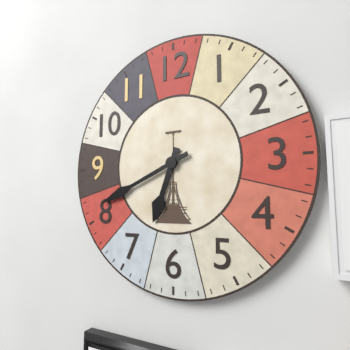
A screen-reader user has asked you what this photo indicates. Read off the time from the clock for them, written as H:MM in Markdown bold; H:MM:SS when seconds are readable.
**6:41**
